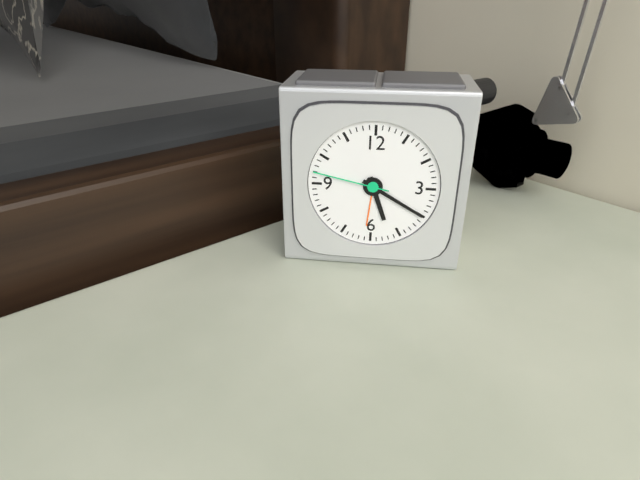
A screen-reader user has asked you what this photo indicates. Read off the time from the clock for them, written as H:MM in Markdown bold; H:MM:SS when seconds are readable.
**5:20:47**
